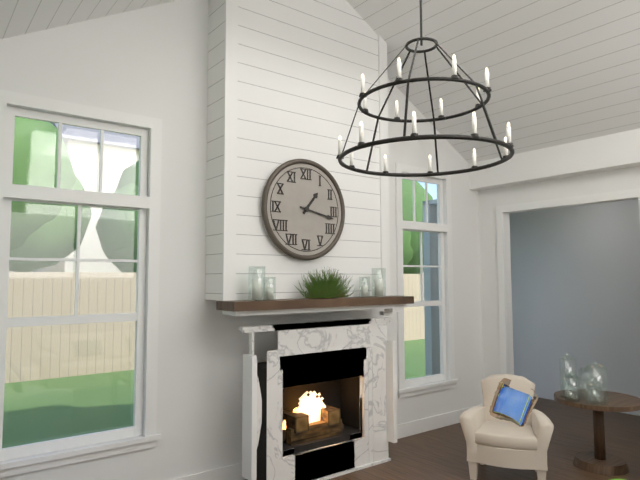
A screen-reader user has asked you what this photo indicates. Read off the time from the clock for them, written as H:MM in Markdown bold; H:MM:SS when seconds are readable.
**1:17**
